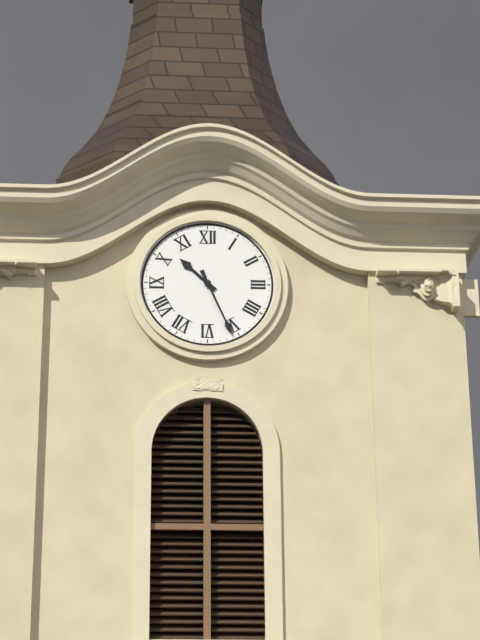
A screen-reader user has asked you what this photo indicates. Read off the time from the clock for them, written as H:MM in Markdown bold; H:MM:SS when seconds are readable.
**10:26**
